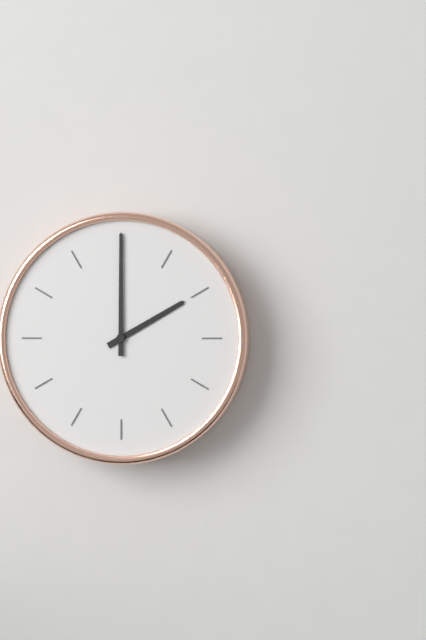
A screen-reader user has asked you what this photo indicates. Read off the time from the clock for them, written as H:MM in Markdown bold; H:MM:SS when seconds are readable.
**2:00**
